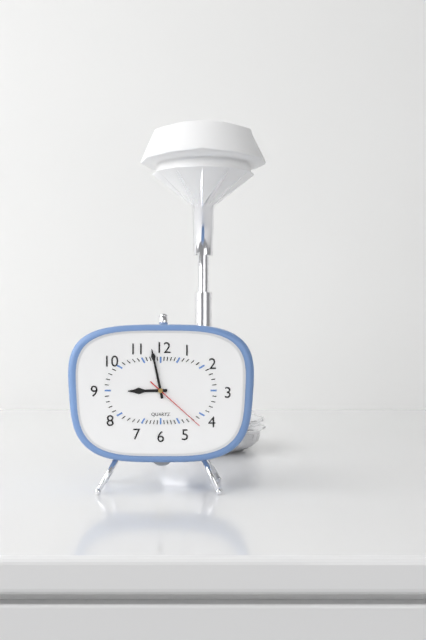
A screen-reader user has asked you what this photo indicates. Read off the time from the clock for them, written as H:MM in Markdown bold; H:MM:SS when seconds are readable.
**8:58:22**
